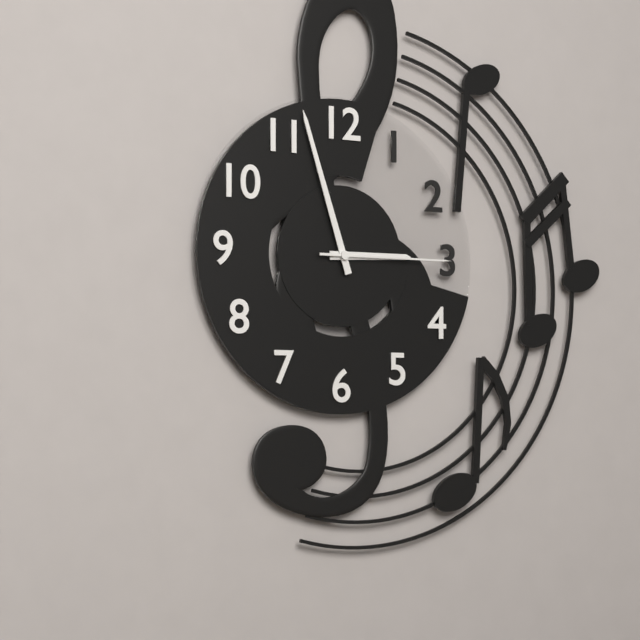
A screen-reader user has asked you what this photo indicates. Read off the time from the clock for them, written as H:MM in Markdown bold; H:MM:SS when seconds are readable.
**2:57:15**
